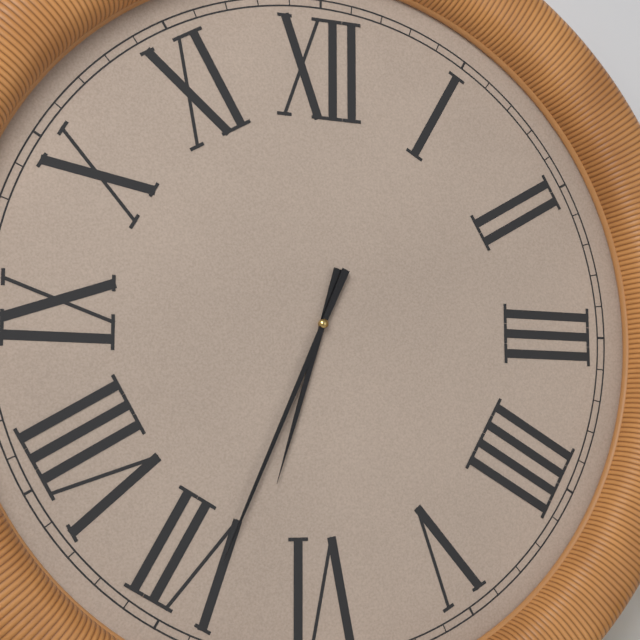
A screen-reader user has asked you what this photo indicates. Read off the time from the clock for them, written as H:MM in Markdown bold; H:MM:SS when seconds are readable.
**6:34**
